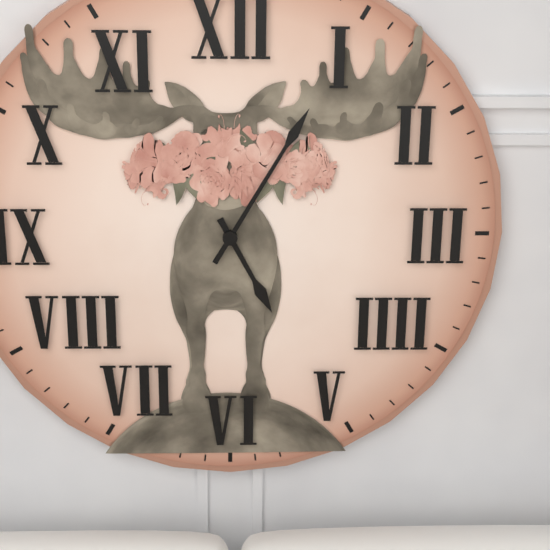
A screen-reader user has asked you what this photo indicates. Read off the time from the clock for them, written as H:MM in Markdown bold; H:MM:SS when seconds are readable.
**5:05**
